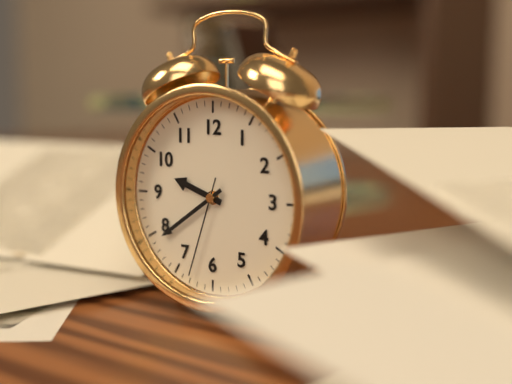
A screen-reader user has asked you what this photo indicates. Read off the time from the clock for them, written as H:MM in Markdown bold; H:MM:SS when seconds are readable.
**9:39:33**
